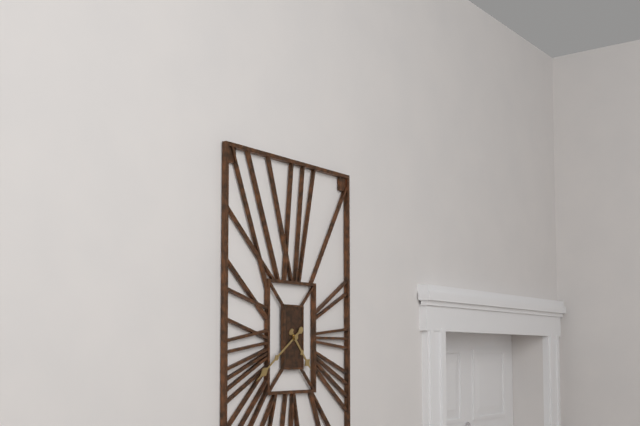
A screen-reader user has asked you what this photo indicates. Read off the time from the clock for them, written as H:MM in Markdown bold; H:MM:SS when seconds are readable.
**4:39**
